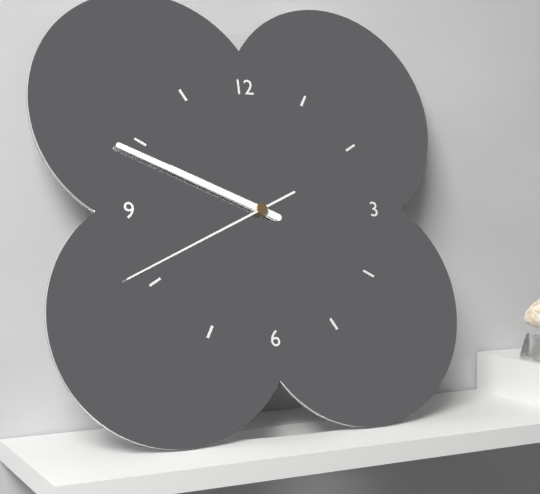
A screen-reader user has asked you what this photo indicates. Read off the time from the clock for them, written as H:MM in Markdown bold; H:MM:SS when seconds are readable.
**9:49:41**
